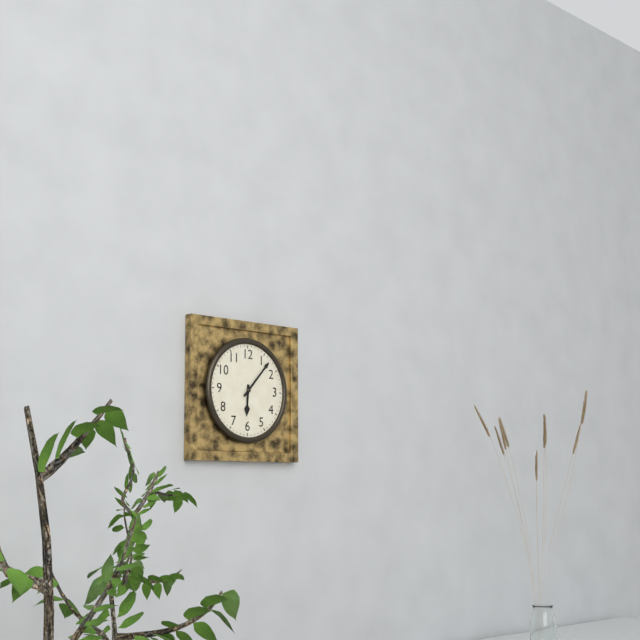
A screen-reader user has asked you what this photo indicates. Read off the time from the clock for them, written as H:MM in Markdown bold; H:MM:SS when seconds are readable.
**6:07**
